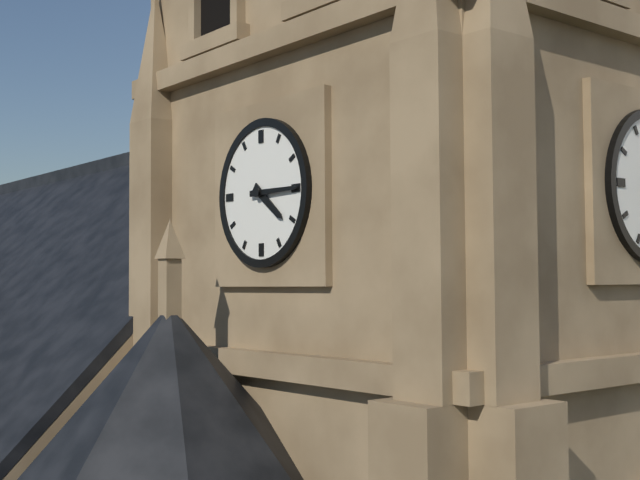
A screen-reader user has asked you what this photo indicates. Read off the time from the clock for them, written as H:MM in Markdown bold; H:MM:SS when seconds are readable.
**4:15**
